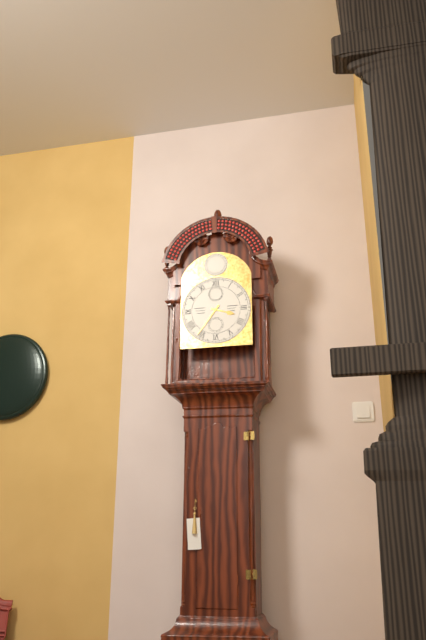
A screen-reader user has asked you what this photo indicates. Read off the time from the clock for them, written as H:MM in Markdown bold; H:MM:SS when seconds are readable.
**3:36**
